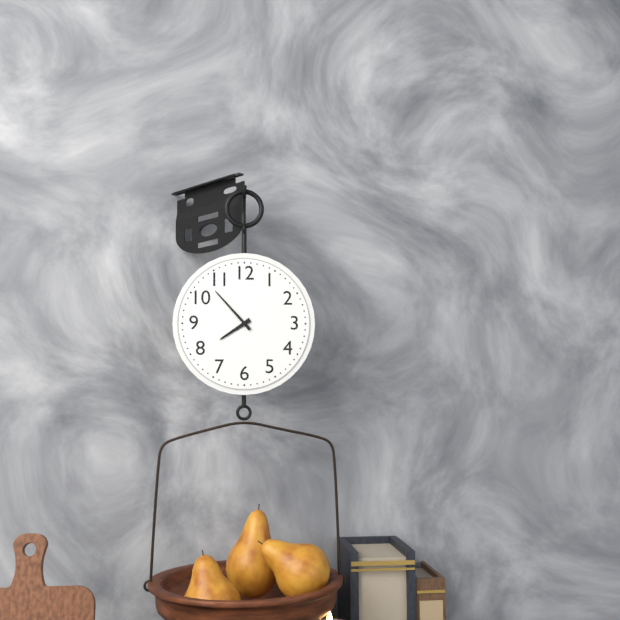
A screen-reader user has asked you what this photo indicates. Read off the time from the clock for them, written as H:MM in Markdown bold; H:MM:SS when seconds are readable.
**7:53**
